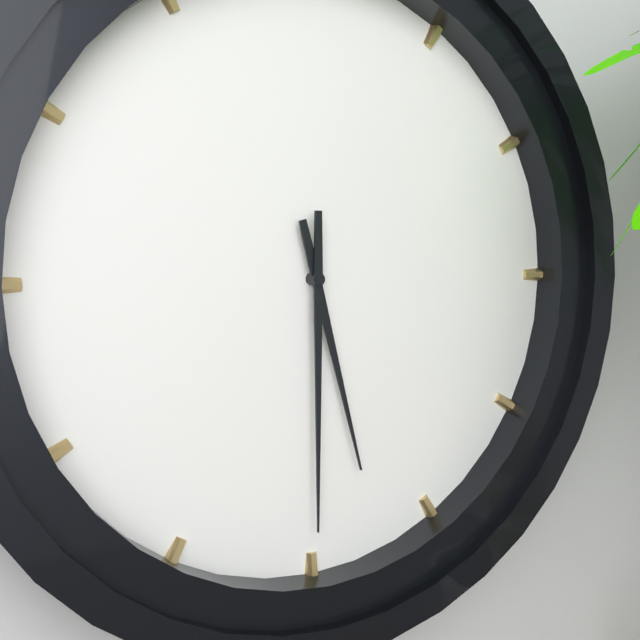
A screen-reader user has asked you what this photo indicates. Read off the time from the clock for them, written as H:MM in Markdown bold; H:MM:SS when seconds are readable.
**5:30**
